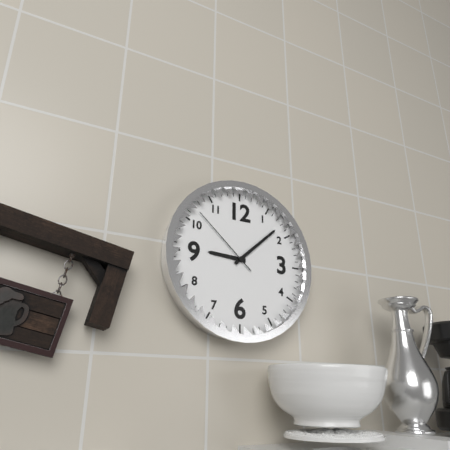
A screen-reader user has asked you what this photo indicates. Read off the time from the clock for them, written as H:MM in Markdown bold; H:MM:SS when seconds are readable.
**9:08:52**
